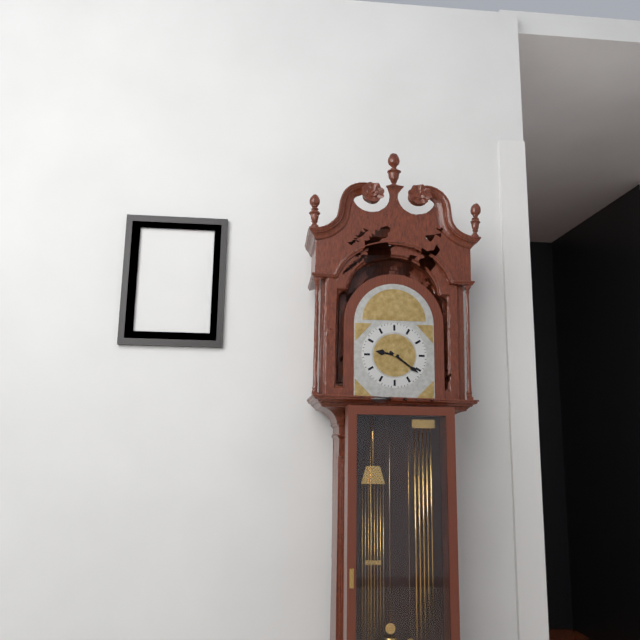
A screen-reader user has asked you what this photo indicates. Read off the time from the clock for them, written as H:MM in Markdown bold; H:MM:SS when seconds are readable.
**9:21**
